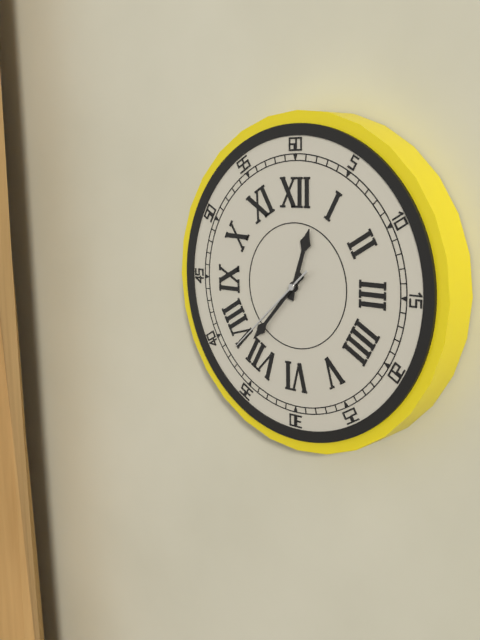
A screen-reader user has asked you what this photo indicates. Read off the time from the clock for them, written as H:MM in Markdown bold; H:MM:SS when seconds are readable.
**12:37:38**
